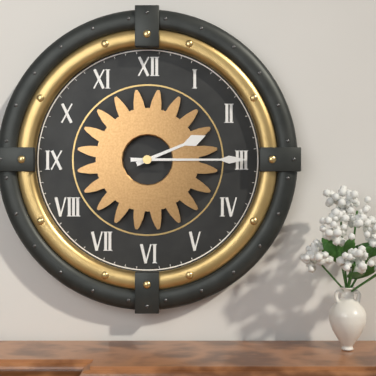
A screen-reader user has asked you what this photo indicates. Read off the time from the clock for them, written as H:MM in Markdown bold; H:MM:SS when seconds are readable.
**2:15**
